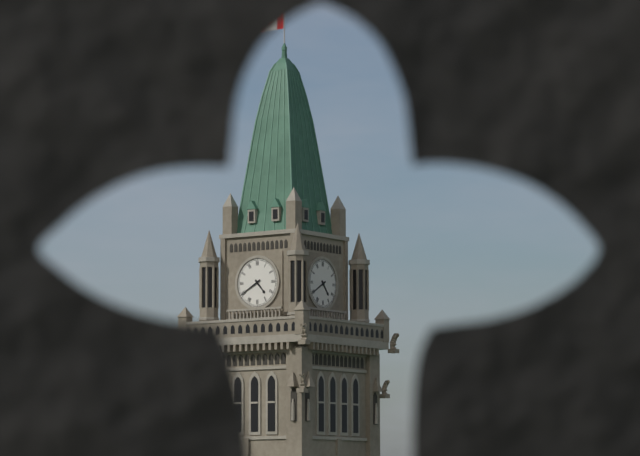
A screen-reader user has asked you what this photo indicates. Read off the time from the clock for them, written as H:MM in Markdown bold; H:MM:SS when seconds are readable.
**4:40**
